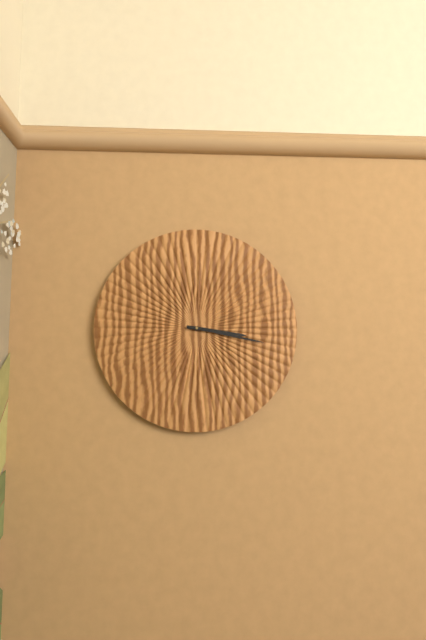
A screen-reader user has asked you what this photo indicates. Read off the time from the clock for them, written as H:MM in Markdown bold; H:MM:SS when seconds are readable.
**3:17**
